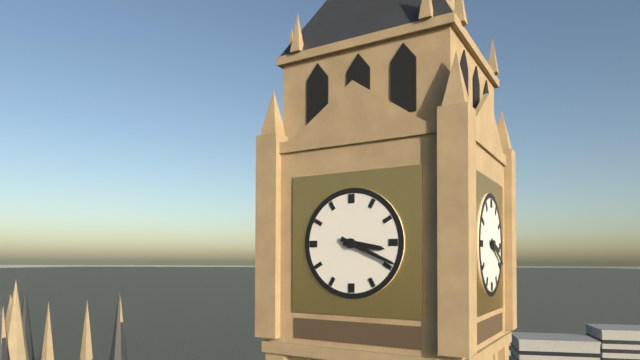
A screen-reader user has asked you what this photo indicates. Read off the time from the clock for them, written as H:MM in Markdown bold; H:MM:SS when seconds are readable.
**3:19**
